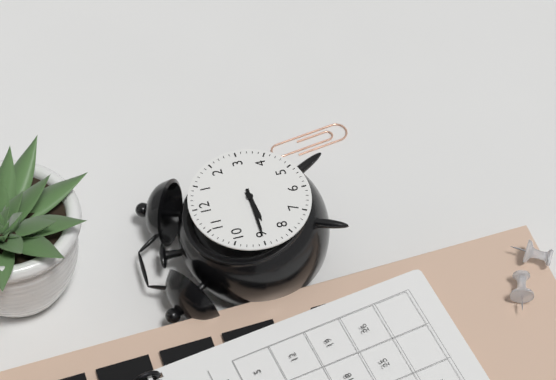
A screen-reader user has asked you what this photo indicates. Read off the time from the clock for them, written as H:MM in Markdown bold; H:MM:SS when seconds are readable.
**8:45**
